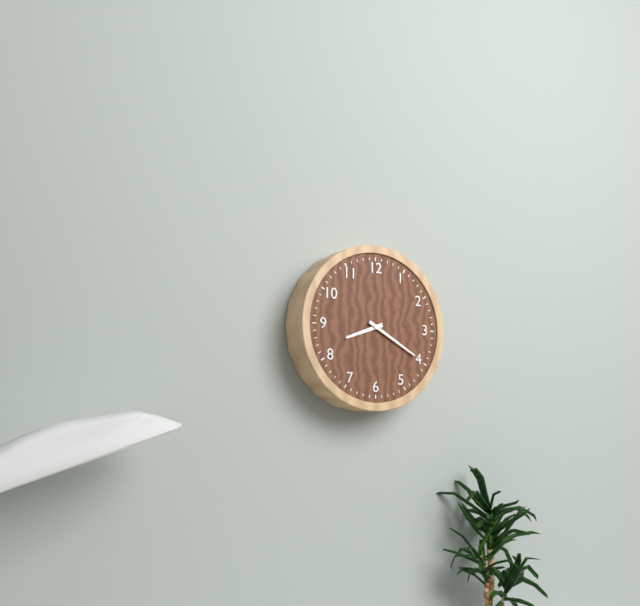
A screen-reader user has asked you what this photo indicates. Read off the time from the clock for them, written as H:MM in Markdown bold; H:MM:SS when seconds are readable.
**8:20**
